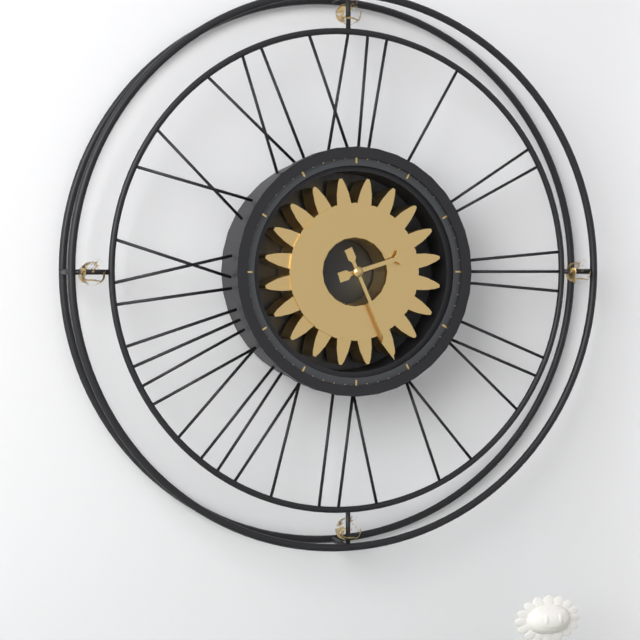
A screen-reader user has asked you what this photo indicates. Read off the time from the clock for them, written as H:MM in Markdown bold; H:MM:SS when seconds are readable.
**2:26**
